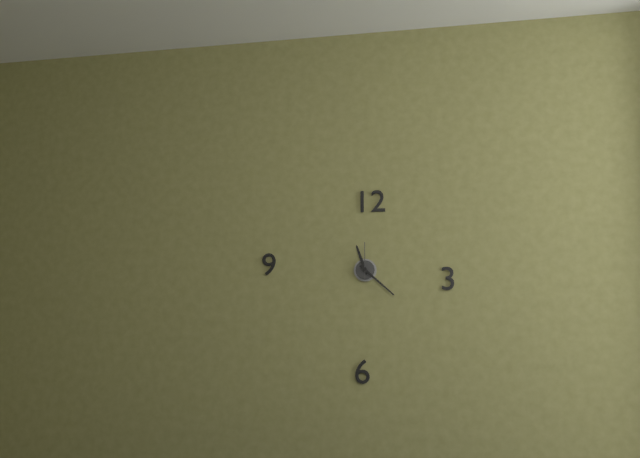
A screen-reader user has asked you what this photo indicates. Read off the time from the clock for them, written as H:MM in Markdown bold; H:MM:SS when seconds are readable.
**11:22**
